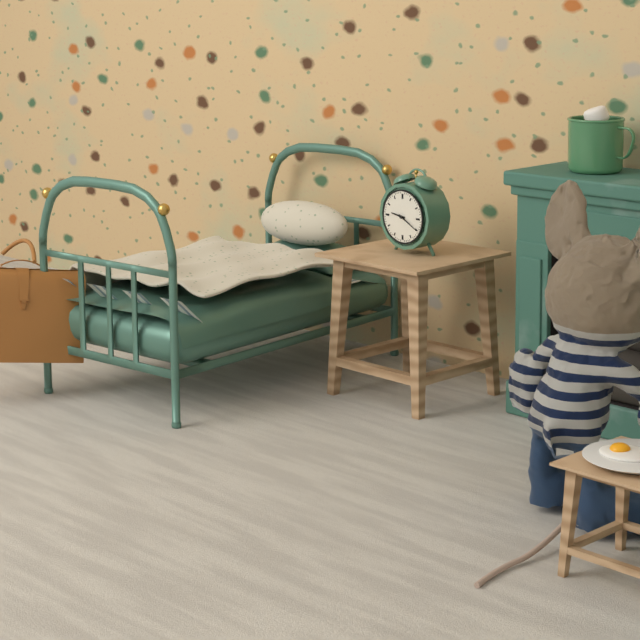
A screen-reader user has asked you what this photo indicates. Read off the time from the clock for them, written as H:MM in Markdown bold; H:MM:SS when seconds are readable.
**9:20**
